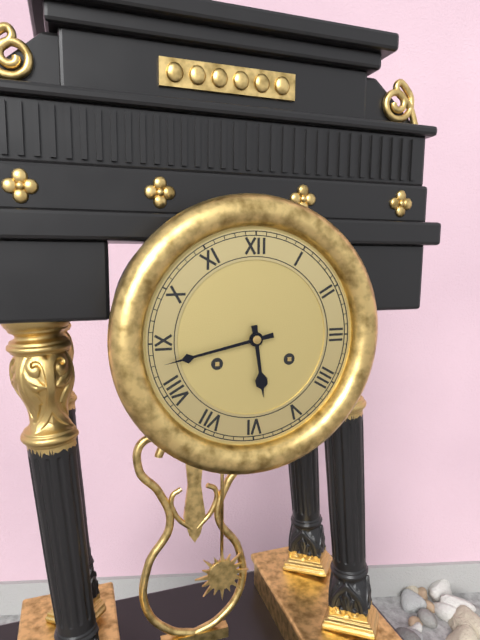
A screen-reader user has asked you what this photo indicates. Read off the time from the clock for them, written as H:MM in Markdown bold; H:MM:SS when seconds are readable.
**5:43**
